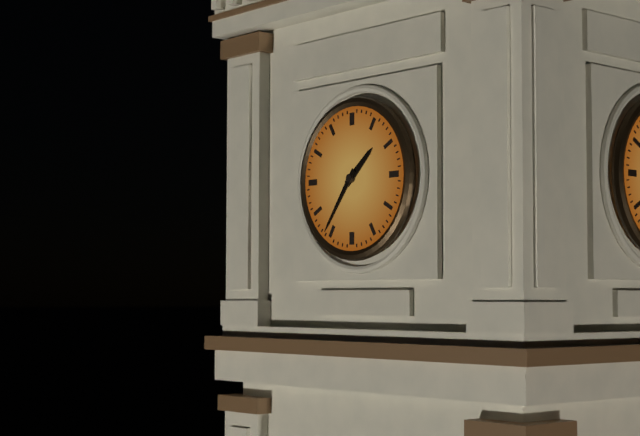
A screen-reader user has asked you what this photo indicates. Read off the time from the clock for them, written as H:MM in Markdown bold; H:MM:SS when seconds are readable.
**1:36**
